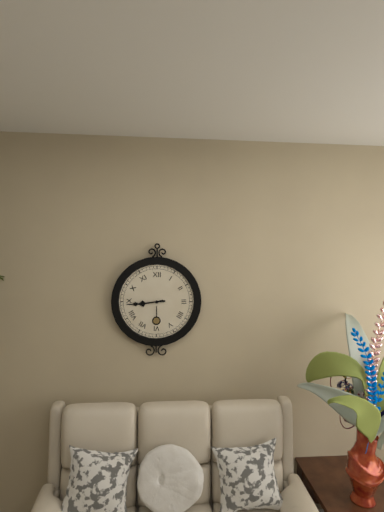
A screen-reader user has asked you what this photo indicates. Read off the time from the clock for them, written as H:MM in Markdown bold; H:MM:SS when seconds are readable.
**8:44**
